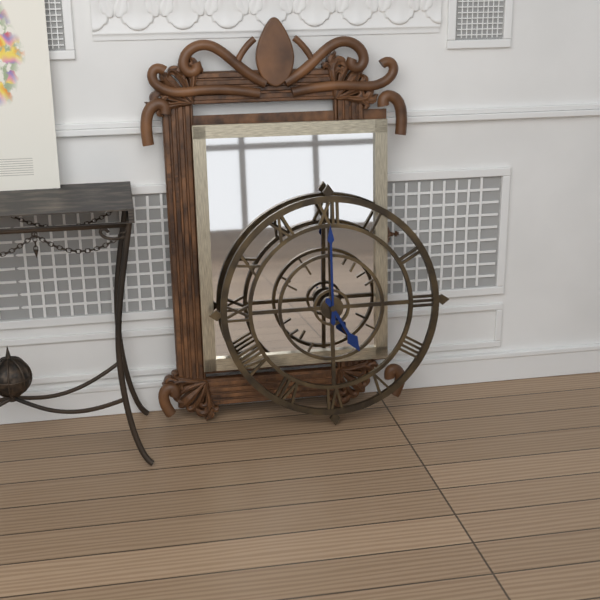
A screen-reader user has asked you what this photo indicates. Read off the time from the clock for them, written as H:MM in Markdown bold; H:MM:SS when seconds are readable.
**5:00**
